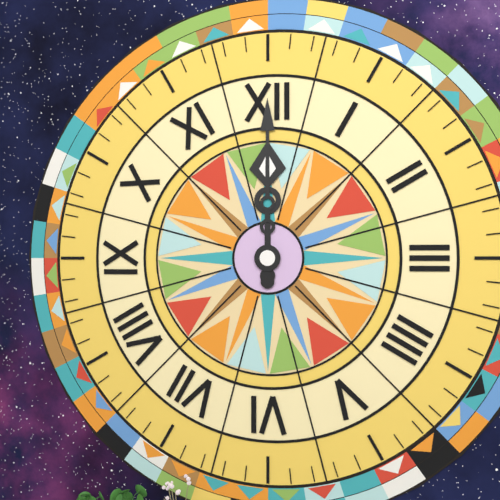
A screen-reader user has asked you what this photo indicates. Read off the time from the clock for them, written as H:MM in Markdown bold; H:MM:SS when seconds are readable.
**12:00**
